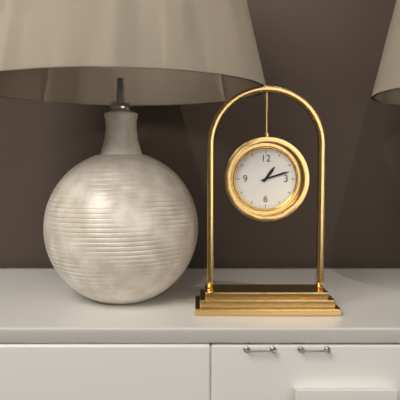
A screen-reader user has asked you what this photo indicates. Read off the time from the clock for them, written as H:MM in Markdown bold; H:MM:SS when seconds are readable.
**1:12**
